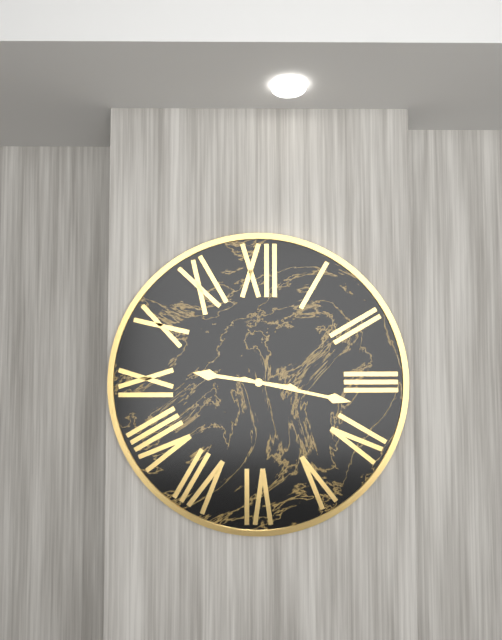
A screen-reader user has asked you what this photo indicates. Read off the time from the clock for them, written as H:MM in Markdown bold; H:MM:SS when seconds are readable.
**9:17**
